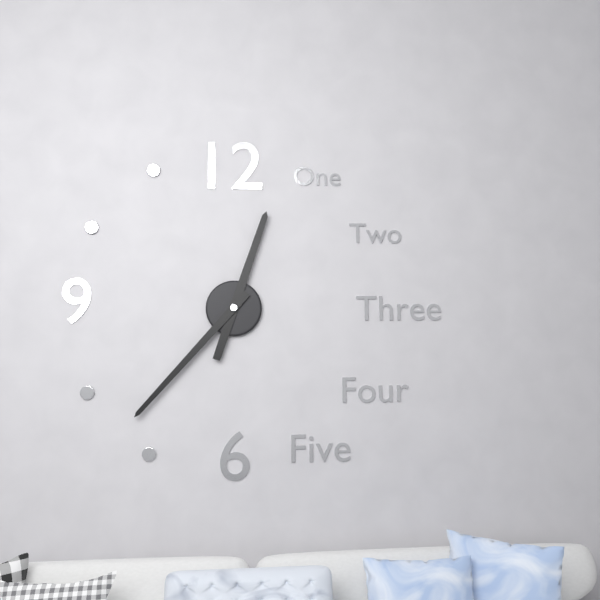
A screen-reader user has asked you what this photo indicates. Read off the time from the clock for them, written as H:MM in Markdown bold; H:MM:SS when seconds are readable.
**12:37**
